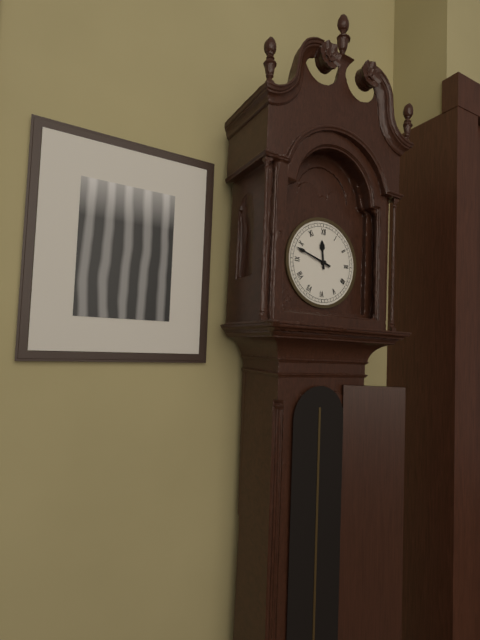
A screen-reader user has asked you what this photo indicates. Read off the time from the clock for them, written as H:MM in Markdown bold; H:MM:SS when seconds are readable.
**11:48**
